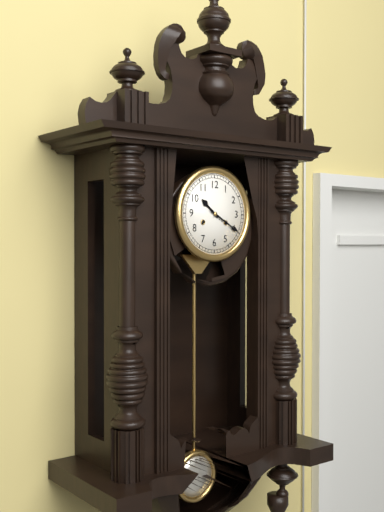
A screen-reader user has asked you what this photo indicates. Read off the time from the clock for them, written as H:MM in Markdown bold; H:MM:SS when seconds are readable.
**10:20**
